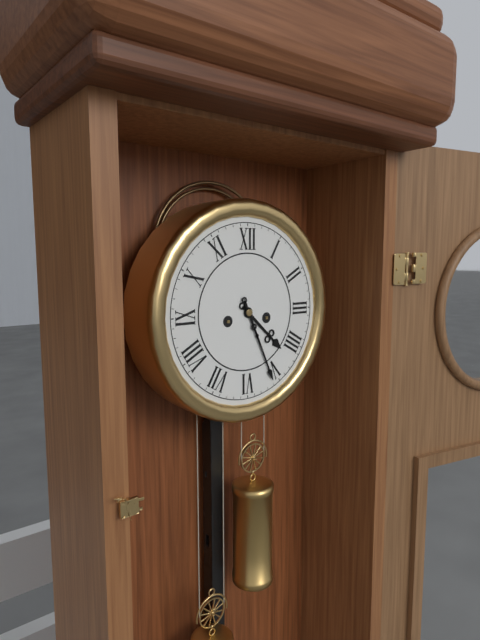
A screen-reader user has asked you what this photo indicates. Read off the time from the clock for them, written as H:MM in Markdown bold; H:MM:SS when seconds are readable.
**4:26**
